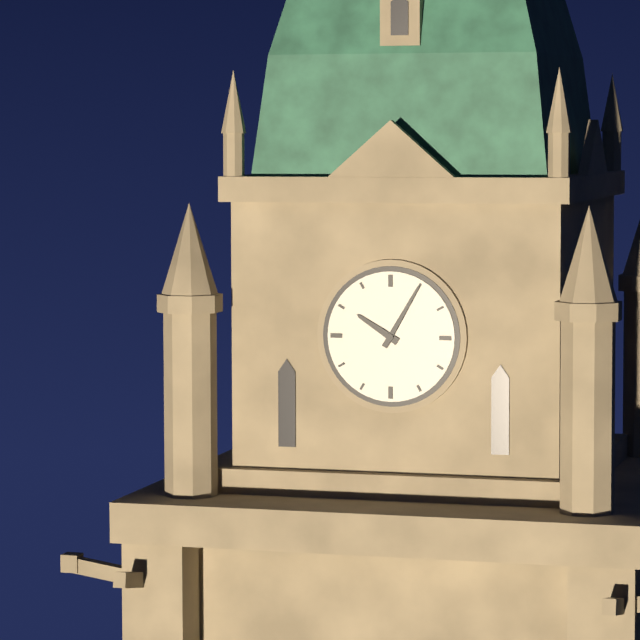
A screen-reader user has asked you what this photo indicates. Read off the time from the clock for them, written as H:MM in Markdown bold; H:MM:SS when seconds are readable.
**10:05**
